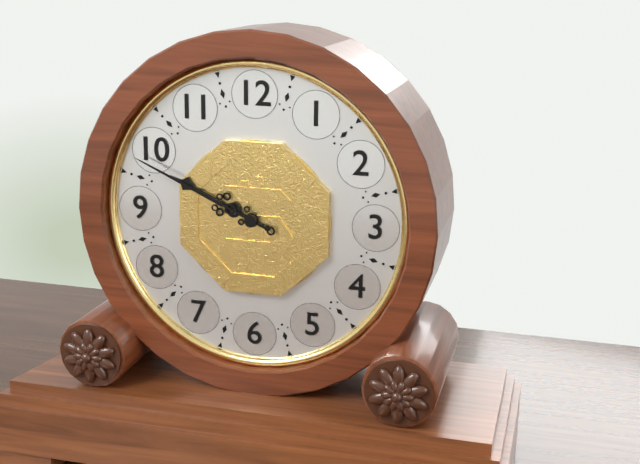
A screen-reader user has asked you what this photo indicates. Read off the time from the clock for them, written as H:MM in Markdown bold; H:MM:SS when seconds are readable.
**9:49**
